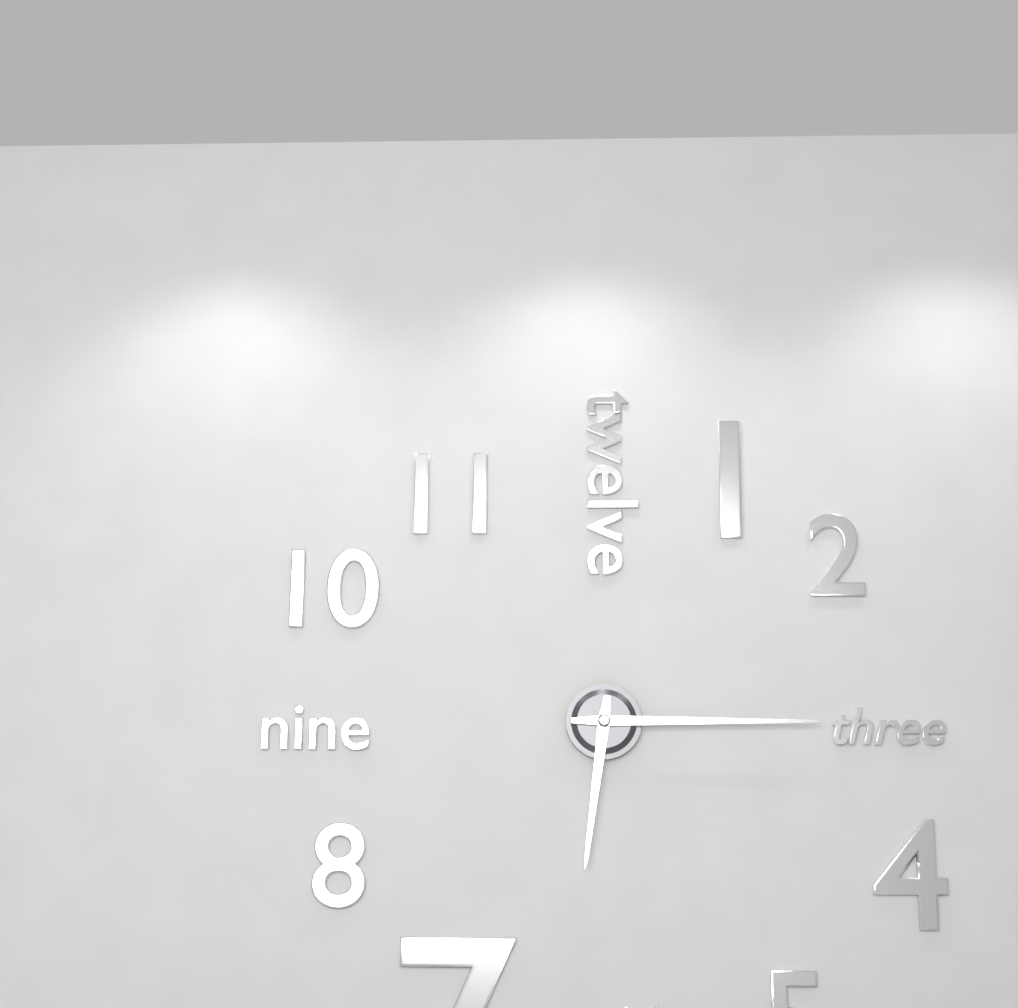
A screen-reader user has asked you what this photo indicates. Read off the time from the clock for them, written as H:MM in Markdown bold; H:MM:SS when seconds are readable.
**6:15**
